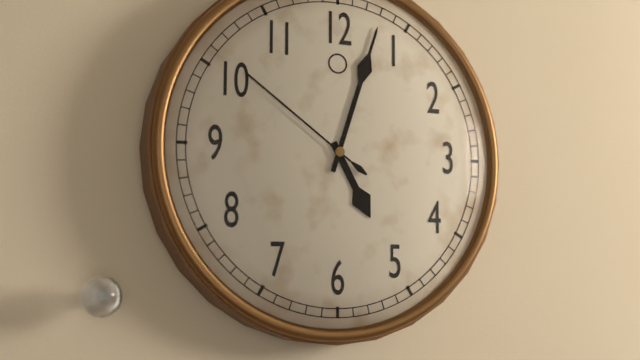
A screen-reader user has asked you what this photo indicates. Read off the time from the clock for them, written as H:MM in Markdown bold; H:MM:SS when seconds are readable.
**5:03:51**
